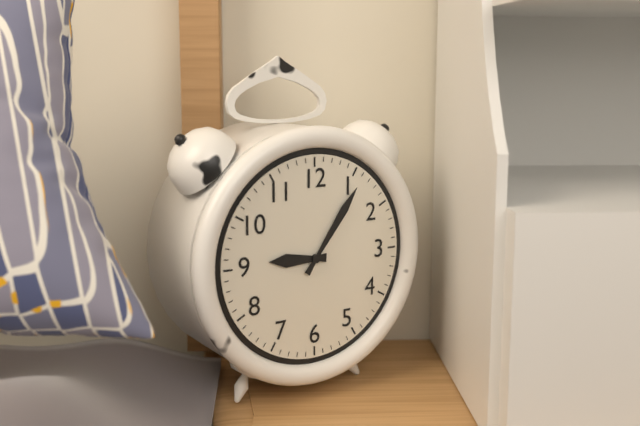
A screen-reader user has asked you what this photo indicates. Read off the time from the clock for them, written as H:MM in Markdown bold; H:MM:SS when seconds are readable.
**9:06**
